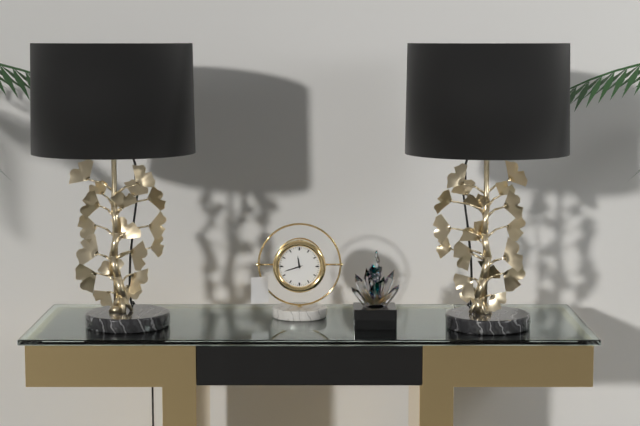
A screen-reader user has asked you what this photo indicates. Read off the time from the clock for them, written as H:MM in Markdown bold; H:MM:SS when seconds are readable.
**11:42**
